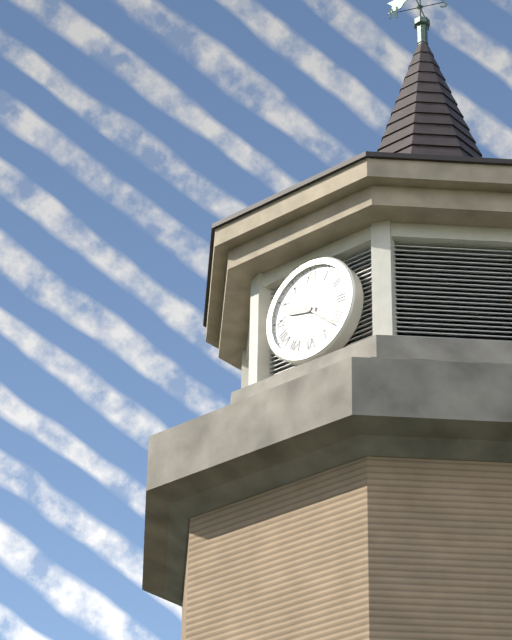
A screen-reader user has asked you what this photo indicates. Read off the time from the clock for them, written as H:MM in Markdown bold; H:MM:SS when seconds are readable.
**9:22**
